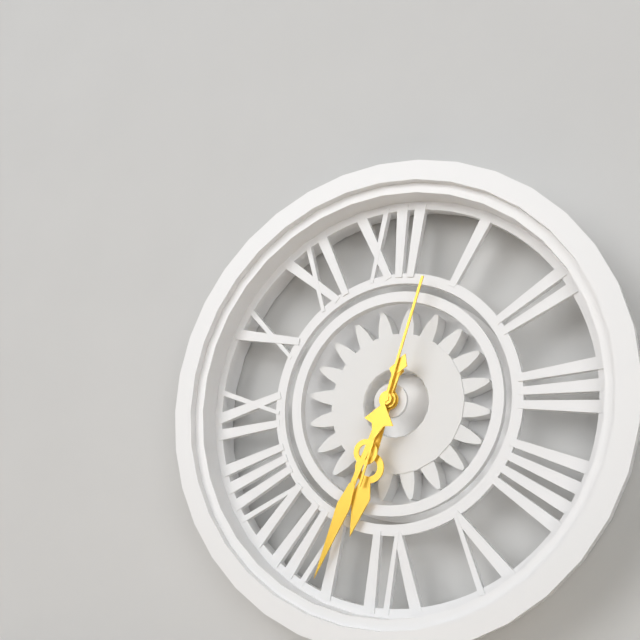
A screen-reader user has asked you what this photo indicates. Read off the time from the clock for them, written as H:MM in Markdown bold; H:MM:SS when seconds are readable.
**6:34:03**
